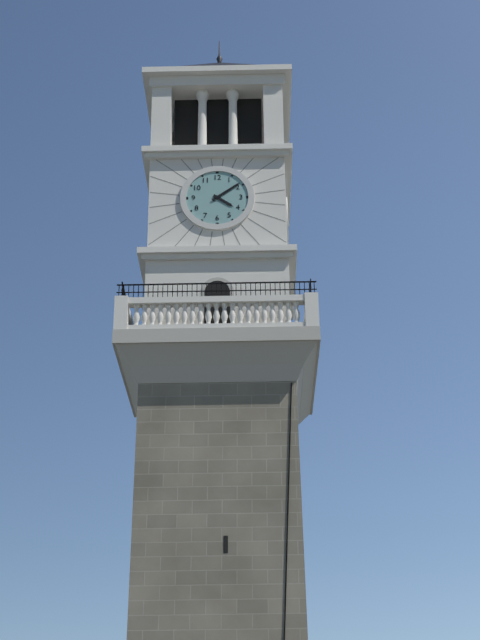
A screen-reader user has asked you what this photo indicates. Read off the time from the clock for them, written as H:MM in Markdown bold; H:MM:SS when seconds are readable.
**4:09**
